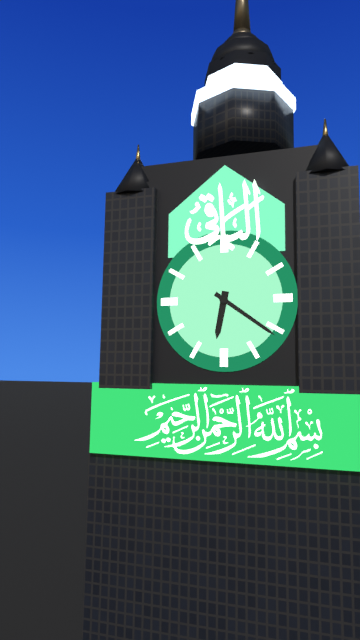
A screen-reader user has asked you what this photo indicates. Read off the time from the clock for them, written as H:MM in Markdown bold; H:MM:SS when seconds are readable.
**6:21**
